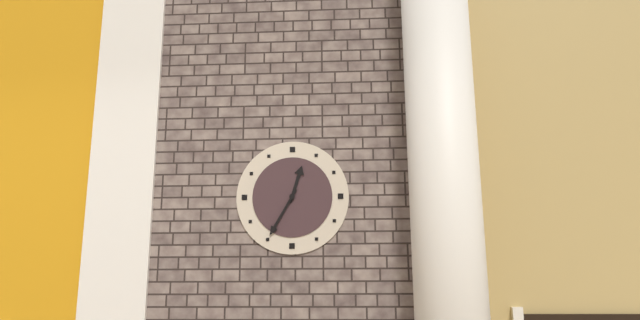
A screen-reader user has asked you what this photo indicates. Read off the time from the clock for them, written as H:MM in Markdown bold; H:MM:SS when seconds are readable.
**12:35**
